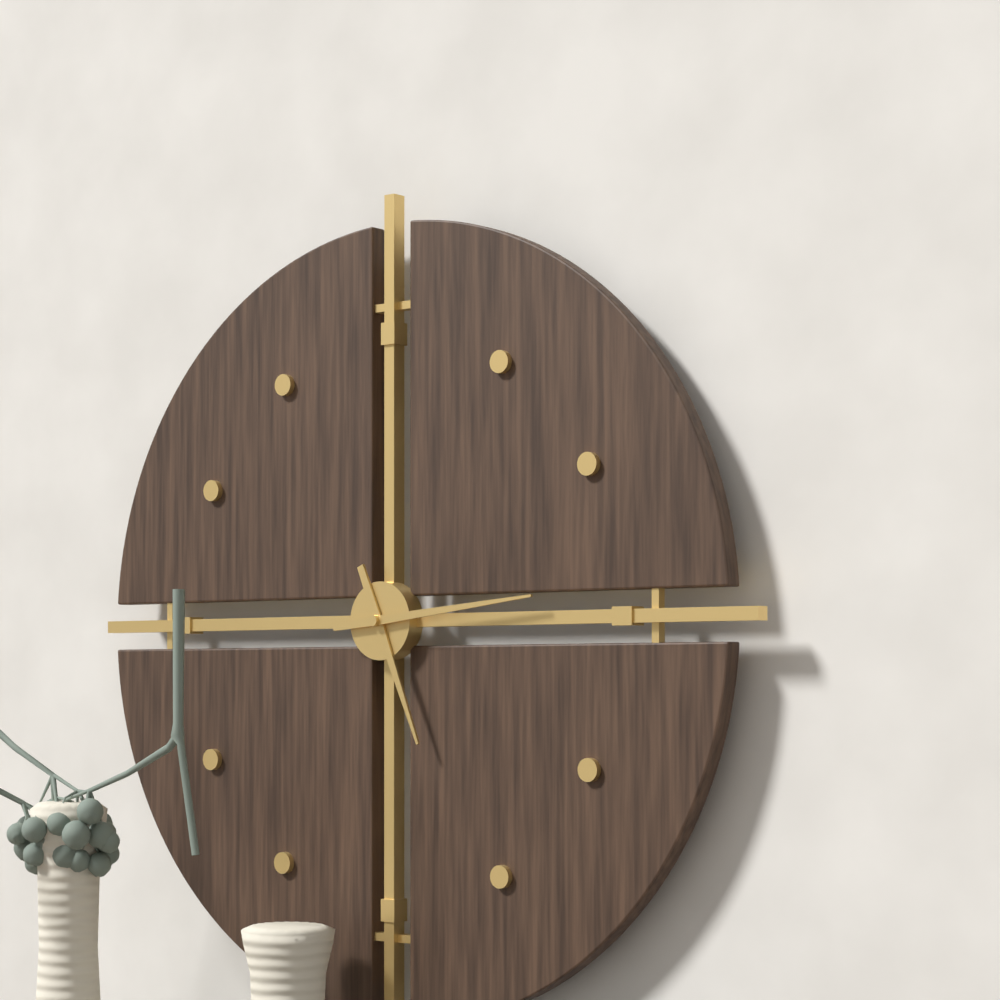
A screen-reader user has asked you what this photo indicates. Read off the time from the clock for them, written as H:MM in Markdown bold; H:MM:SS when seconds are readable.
**5:14**
